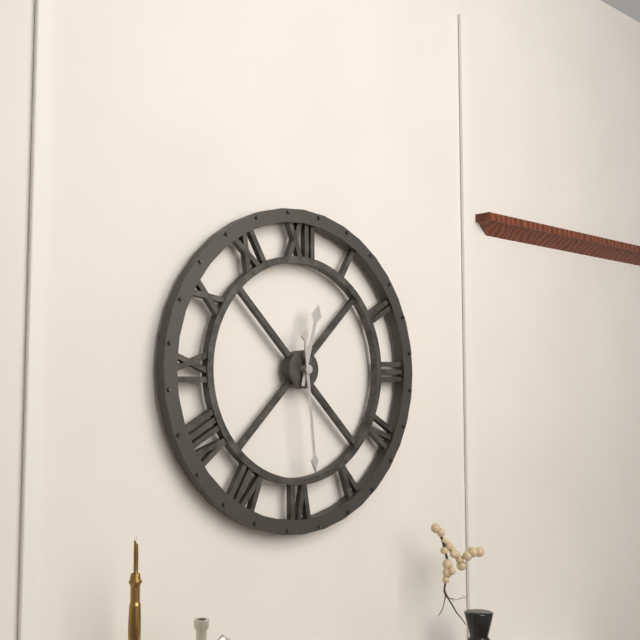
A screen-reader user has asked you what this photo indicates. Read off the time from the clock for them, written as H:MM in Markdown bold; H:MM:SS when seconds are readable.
**12:29**
